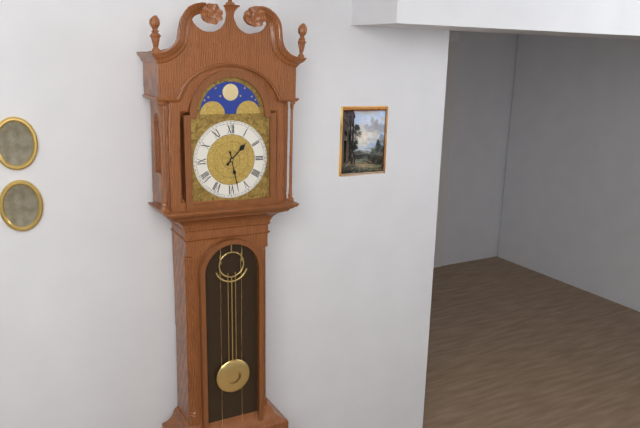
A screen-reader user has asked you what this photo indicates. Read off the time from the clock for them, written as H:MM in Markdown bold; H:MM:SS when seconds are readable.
**1:28**
